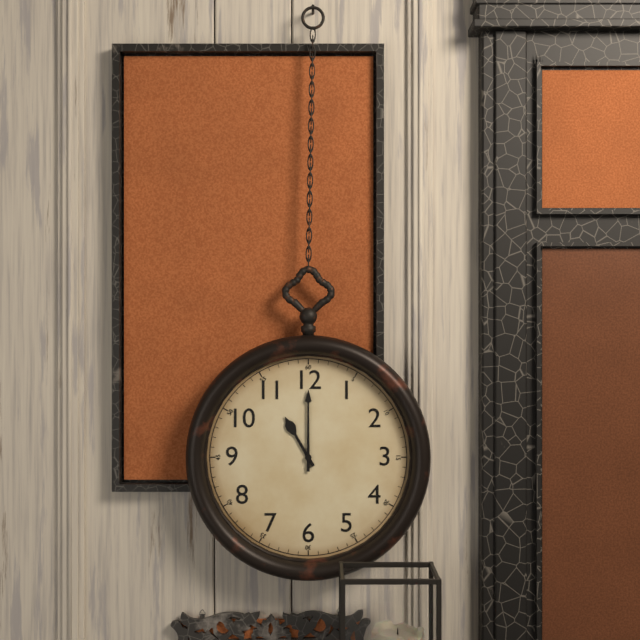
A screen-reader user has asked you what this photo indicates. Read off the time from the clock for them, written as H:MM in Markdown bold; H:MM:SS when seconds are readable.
**11:00**
